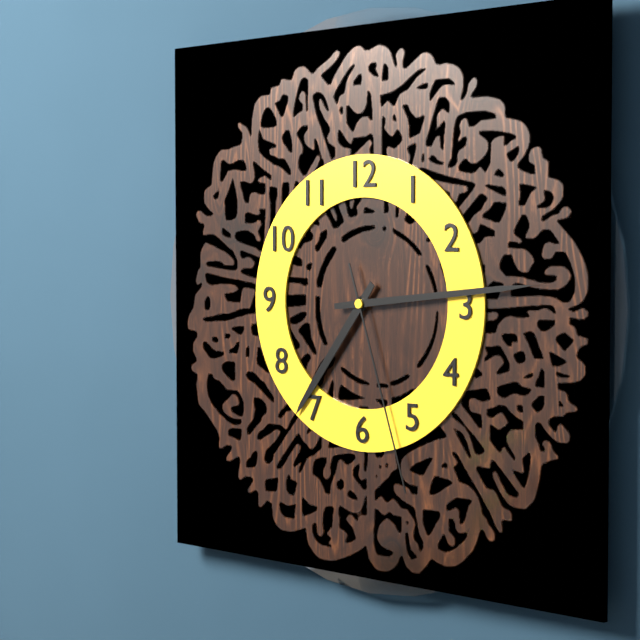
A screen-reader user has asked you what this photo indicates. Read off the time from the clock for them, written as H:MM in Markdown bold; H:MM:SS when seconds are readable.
**7:14:27**
